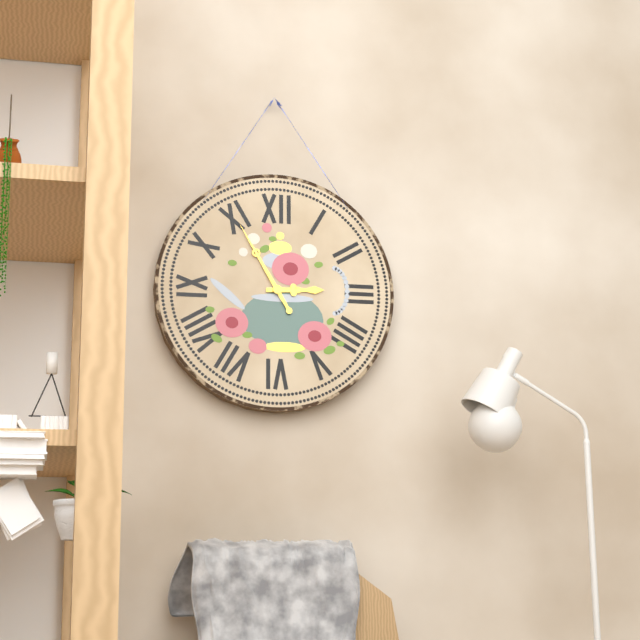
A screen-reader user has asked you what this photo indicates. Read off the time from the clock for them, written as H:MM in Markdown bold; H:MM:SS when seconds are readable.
**2:55**
